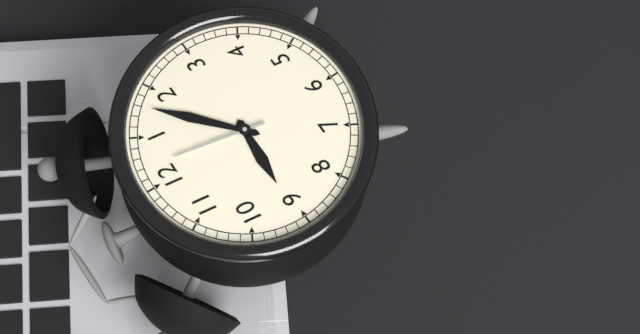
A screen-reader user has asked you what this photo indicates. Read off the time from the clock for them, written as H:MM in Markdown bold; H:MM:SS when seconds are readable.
**9:08:02**
